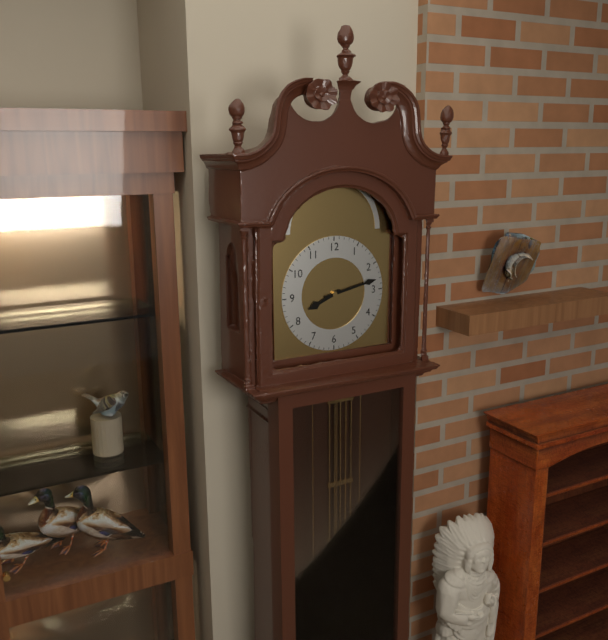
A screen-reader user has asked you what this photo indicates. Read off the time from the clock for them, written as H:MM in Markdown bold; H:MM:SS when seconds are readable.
**8:13**
